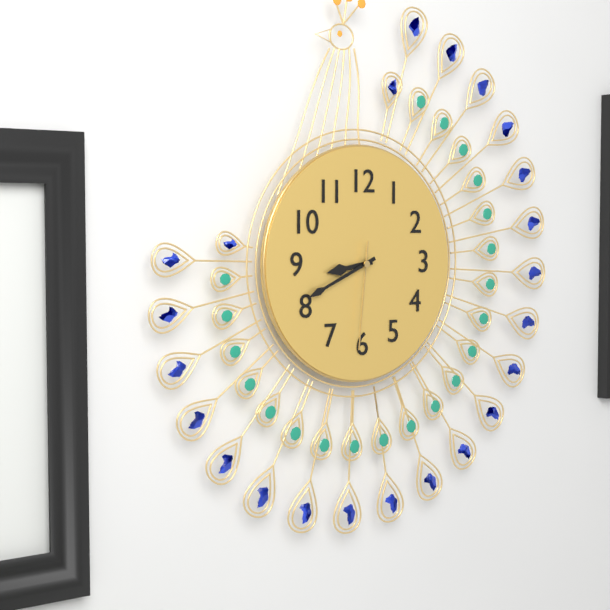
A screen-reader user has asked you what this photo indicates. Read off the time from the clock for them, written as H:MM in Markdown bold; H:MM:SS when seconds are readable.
**8:41:31**
